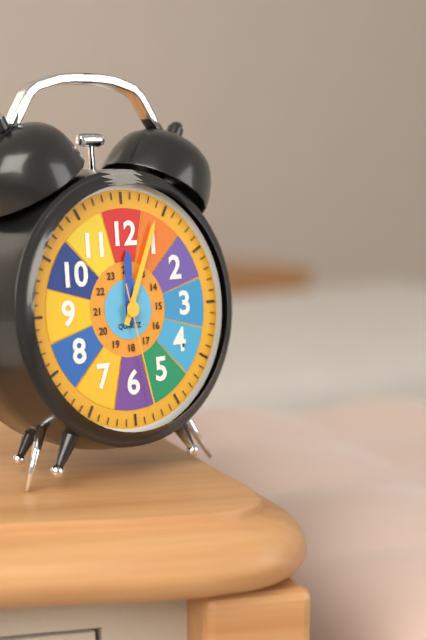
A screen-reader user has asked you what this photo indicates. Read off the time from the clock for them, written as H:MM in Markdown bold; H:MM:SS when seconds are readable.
**12:04:28**
